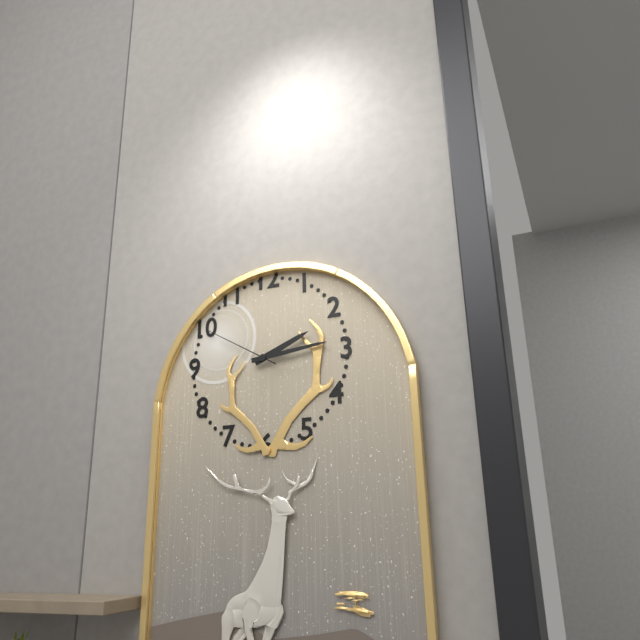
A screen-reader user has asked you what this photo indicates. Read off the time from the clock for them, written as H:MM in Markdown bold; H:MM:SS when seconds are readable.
**2:14:50**
